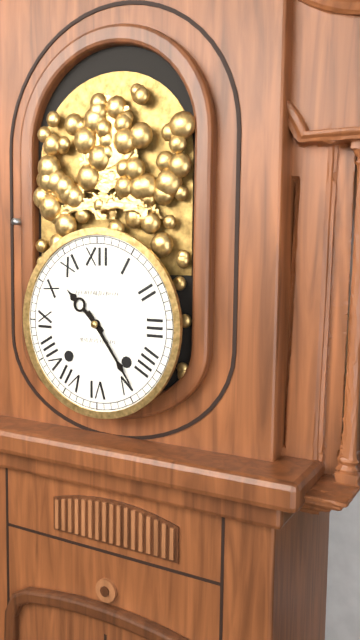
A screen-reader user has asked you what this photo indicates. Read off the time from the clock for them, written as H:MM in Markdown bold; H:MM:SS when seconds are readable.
**10:24**
